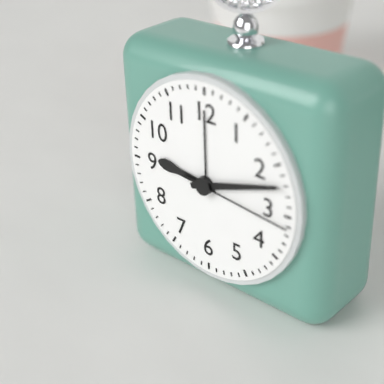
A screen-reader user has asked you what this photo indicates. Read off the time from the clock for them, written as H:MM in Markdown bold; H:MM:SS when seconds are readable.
**9:12:16**
